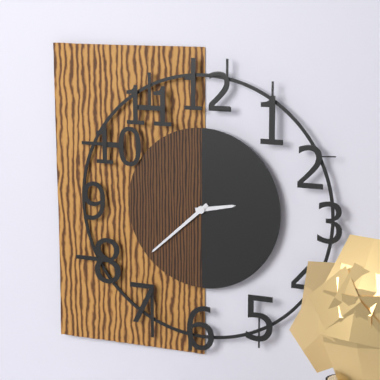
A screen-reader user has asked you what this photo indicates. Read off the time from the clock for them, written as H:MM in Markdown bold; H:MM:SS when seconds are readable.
**2:38**
